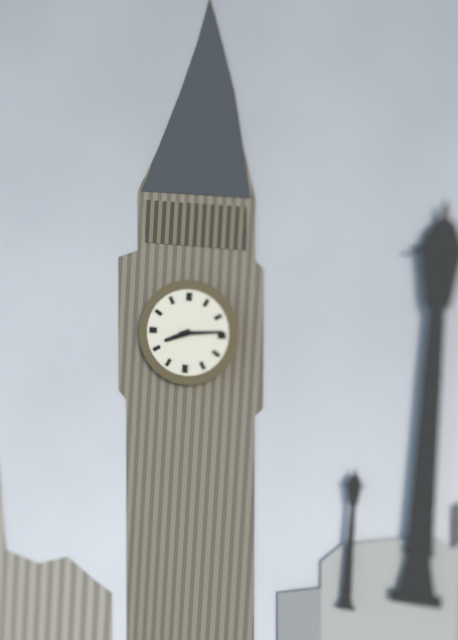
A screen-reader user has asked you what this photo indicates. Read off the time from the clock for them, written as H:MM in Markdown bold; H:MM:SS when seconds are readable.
**8:14**
